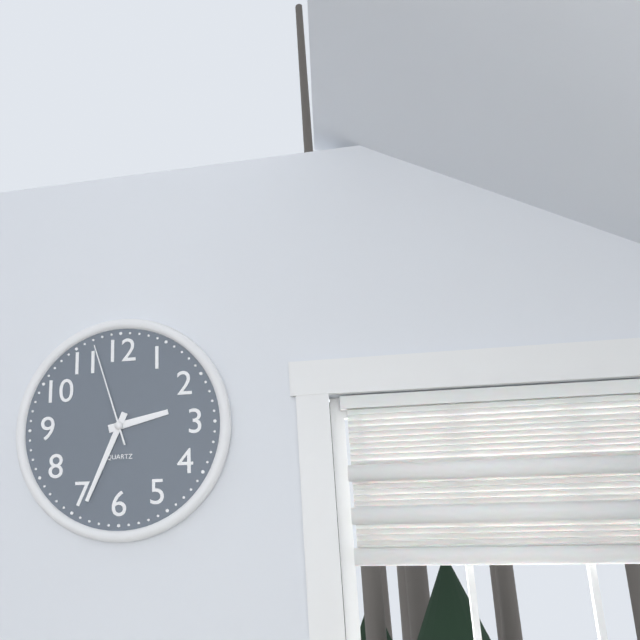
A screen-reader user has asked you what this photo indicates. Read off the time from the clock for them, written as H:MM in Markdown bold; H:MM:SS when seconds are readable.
**2:34:57**
